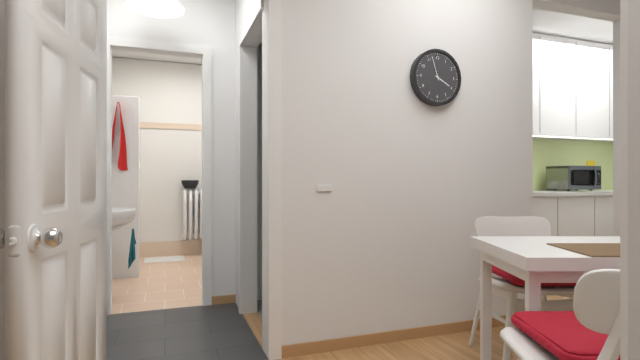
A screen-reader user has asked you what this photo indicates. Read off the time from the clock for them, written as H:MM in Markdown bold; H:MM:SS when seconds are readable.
**3:57**
